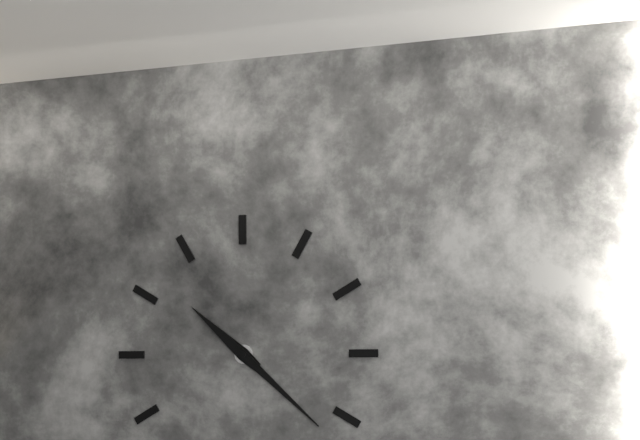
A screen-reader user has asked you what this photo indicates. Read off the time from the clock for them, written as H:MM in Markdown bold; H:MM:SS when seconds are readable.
**10:22**
